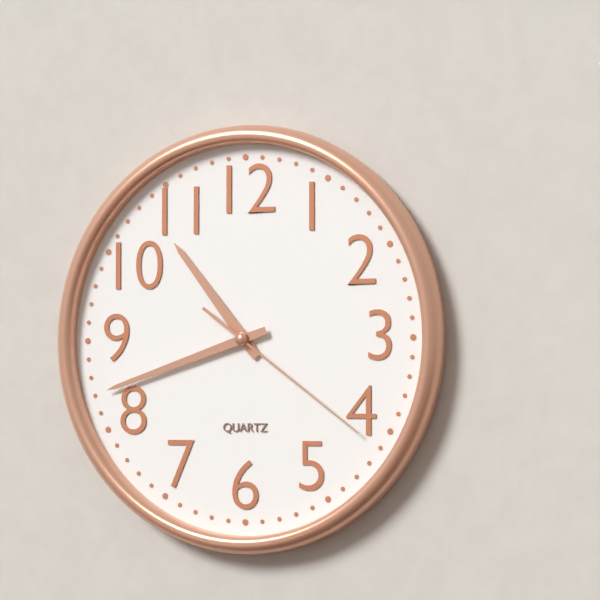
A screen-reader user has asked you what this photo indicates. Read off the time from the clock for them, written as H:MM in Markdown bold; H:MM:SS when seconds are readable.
**10:42:21**
